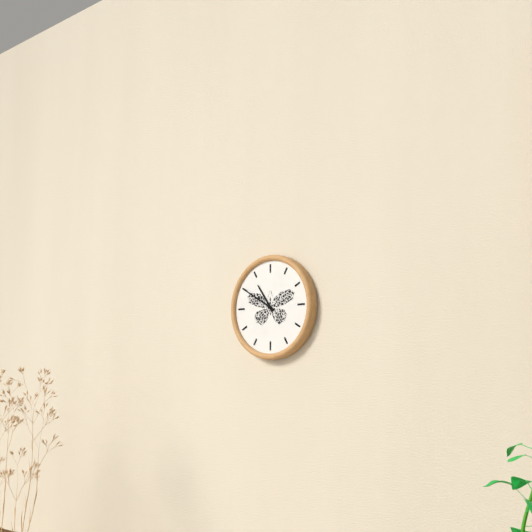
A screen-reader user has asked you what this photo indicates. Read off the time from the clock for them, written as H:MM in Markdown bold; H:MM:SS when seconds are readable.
**10:50**
